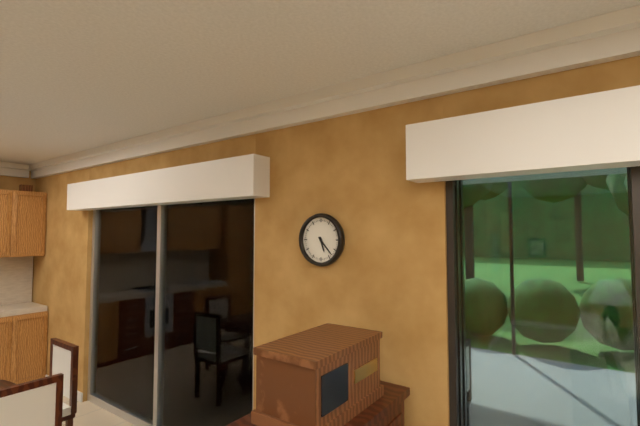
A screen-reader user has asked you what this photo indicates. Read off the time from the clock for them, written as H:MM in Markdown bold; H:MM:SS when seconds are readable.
**5:23**
